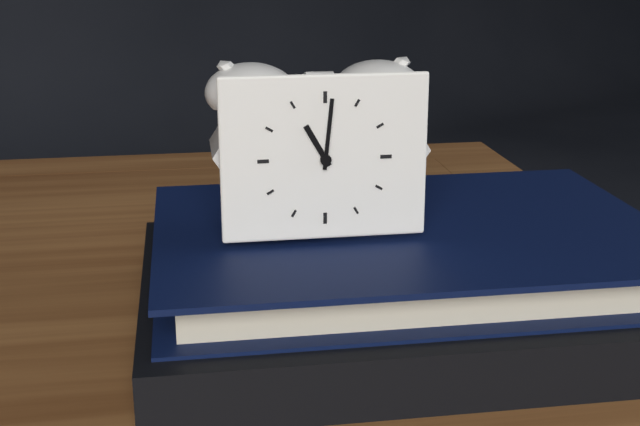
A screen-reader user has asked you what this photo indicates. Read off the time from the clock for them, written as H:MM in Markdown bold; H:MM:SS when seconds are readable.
**11:01**
